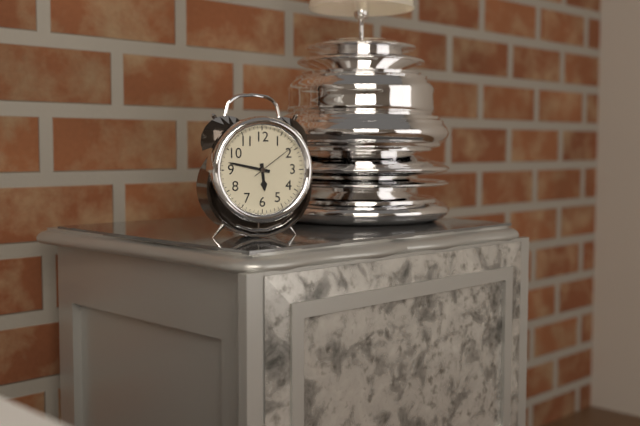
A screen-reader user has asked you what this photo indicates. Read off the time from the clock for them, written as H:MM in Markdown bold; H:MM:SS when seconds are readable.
**5:47**
